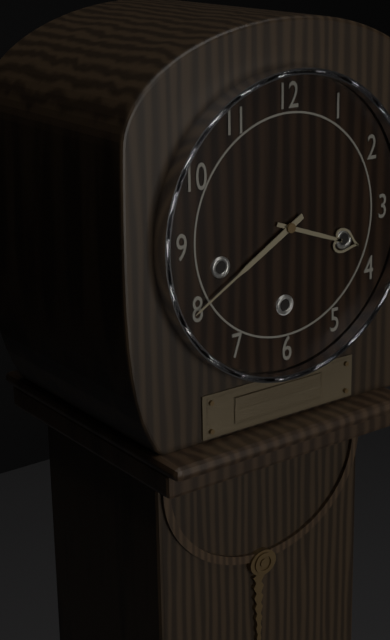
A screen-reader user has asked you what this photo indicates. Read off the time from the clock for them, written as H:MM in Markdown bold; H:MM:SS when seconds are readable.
**3:40**
